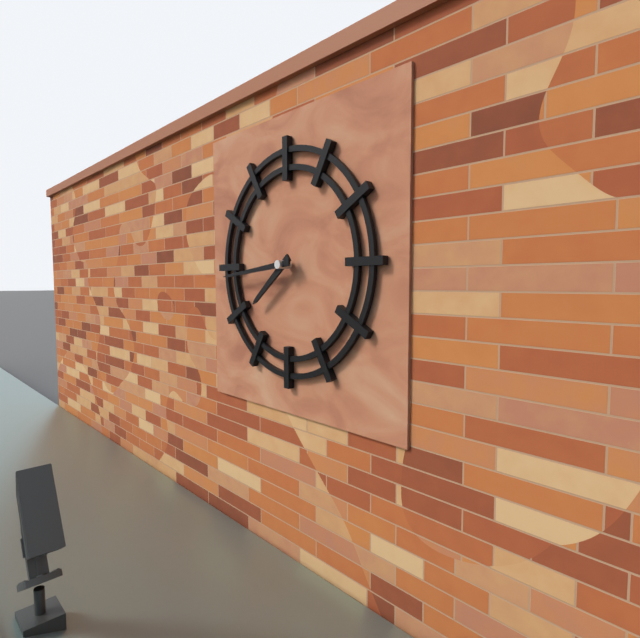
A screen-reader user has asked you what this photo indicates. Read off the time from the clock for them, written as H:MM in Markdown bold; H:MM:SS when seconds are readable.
**7:44**
